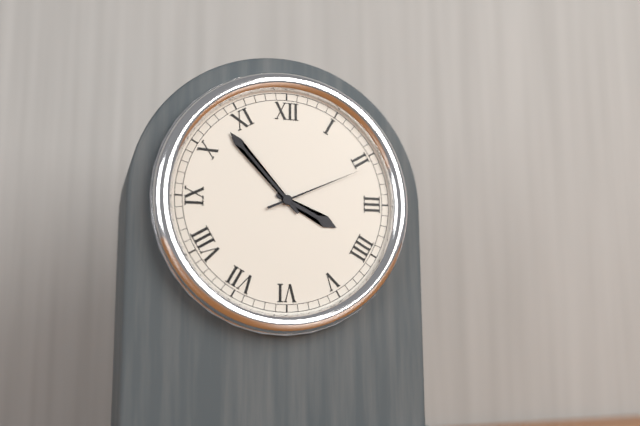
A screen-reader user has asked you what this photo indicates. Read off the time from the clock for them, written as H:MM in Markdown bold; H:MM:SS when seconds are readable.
**3:53:11**
